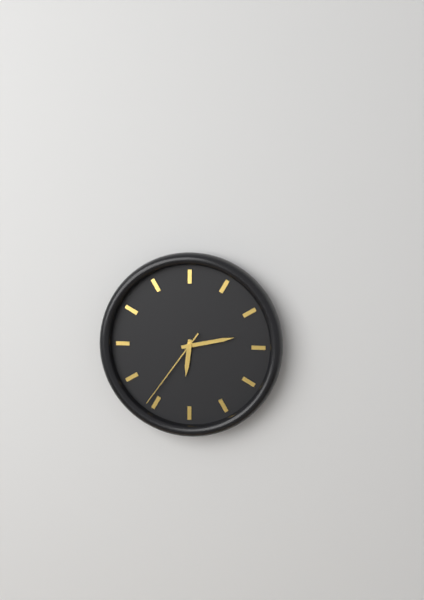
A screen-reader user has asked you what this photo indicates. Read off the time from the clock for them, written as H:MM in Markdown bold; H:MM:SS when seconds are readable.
**6:13:36**
